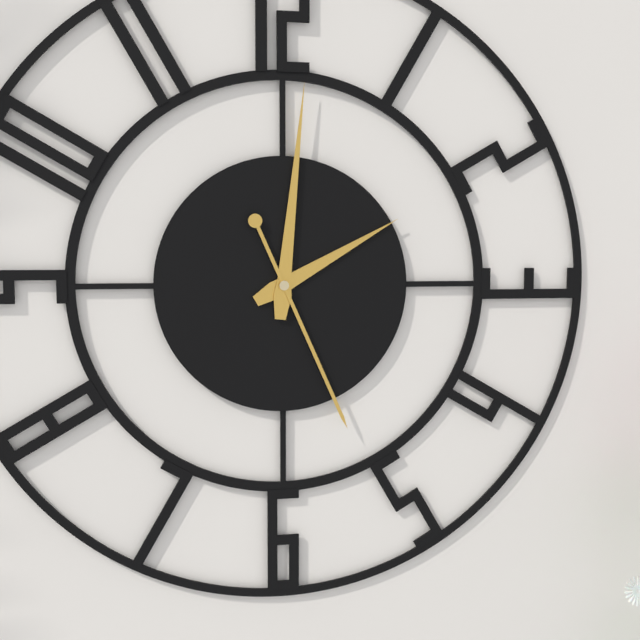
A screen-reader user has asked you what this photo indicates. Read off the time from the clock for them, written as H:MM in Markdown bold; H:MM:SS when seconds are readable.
**2:01:26**
